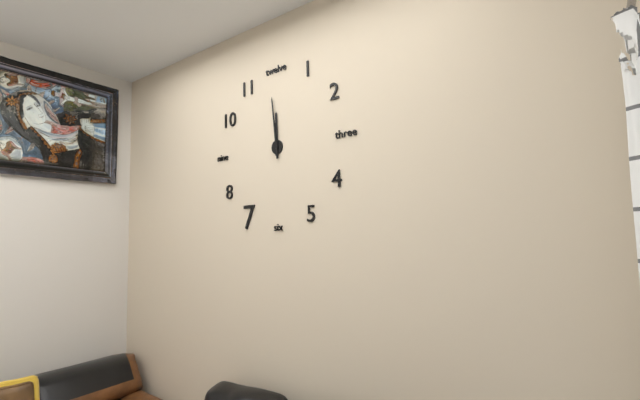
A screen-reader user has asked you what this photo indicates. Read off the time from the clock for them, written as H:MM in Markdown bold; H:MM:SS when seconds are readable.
**11:59**
